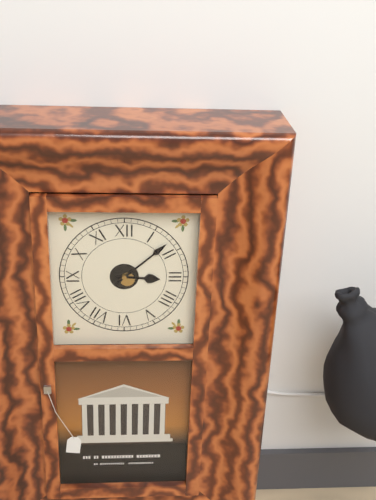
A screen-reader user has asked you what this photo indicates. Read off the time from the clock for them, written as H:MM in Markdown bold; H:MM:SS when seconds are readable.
**3:08**
